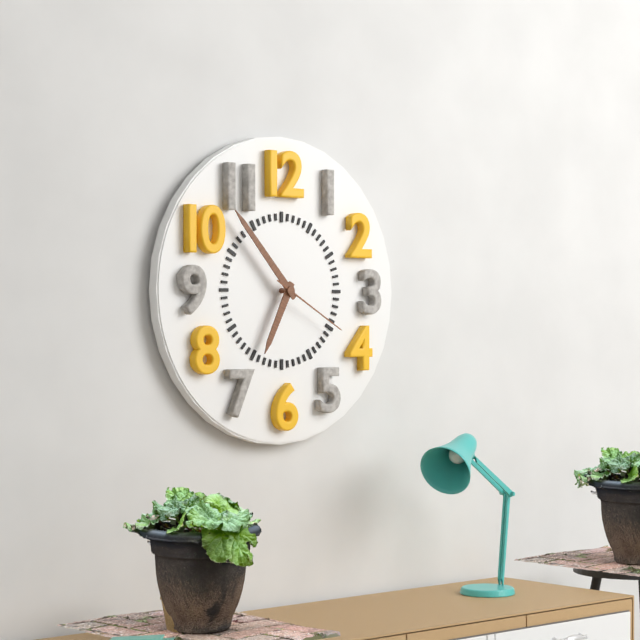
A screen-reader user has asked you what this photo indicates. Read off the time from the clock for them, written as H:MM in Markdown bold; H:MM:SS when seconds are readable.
**6:53:20**
